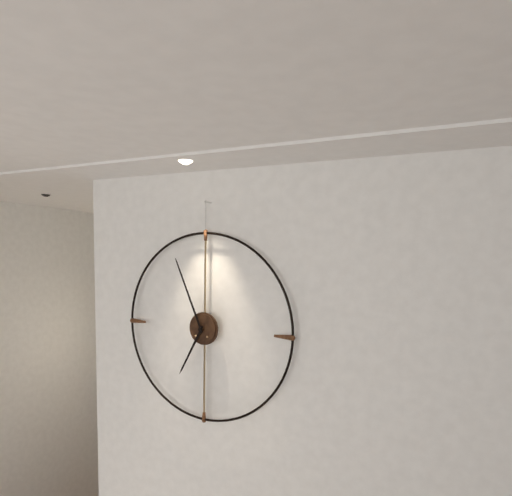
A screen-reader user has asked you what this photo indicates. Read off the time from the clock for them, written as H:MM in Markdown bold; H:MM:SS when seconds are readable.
**6:56**
